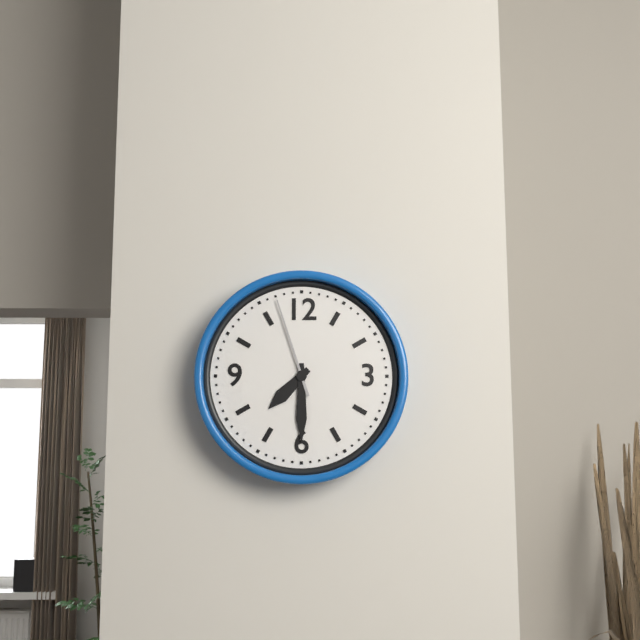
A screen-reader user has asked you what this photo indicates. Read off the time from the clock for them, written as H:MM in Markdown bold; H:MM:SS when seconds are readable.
**7:30:57**
